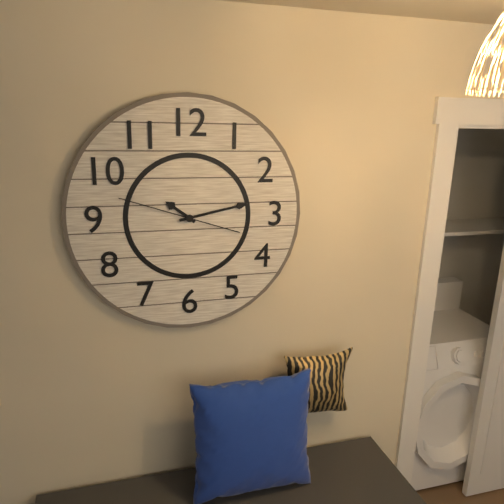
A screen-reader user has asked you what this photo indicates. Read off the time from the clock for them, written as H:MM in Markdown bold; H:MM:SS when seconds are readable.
**10:13:48**
